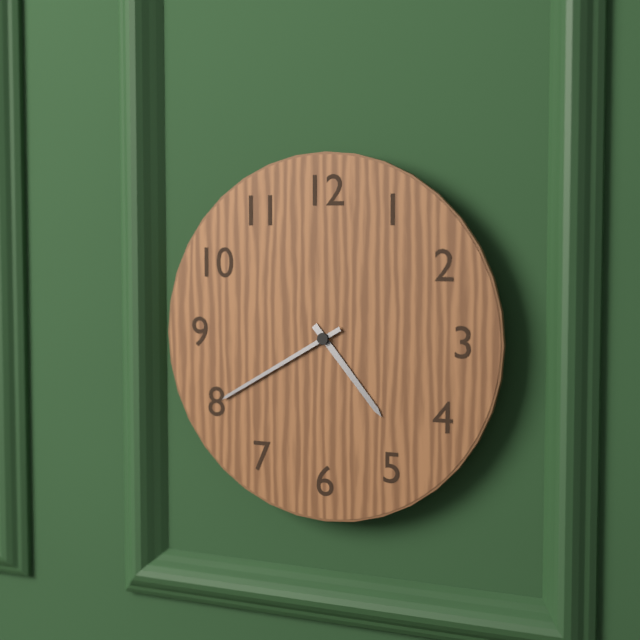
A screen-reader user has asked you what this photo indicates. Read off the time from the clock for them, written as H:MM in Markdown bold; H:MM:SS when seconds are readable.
**4:40**
